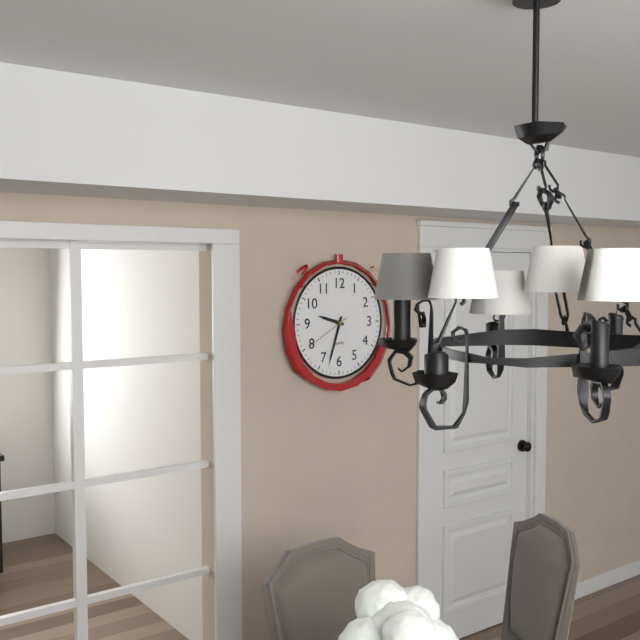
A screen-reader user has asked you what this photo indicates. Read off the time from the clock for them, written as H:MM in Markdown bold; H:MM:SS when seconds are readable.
**9:33:40**
